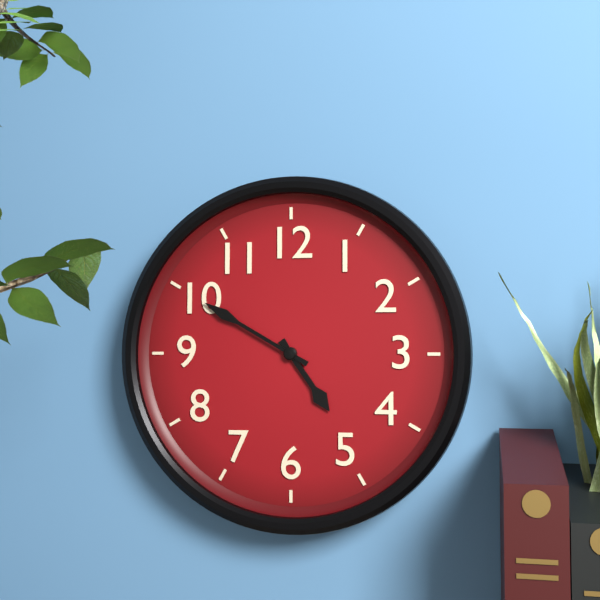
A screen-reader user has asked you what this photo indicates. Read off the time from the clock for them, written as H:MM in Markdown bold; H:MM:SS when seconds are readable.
**4:50**
